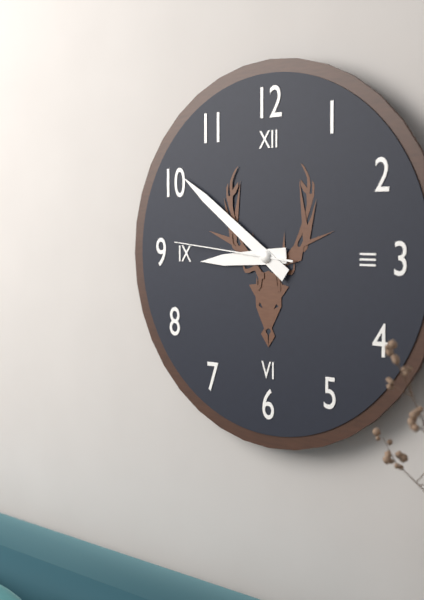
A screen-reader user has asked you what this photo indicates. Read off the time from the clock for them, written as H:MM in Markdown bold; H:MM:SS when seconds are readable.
**8:51:46**
